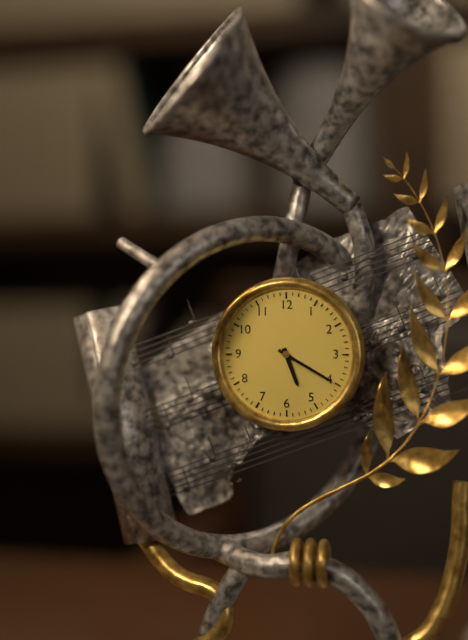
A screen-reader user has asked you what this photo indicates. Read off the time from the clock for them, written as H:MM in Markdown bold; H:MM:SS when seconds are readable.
**5:20**
